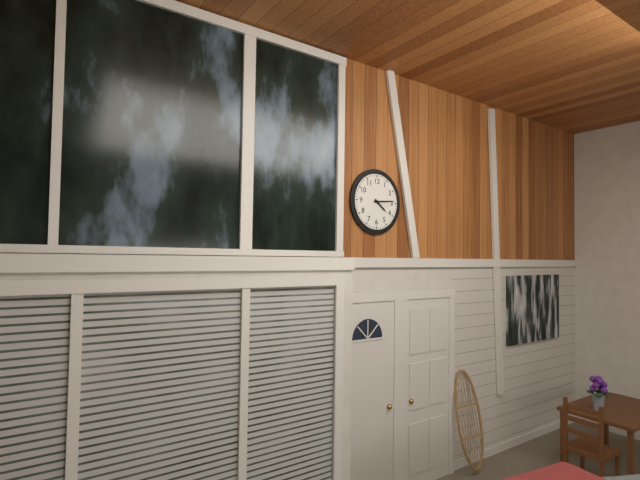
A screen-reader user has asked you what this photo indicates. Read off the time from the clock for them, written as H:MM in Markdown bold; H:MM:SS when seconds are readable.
**4:14**
